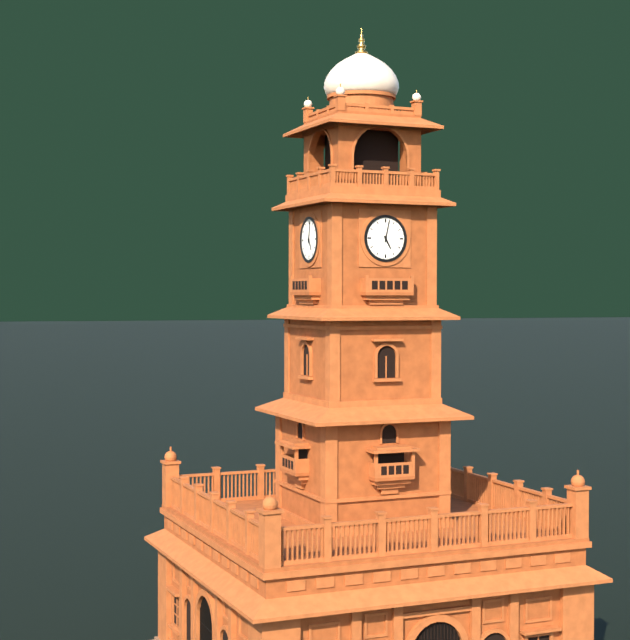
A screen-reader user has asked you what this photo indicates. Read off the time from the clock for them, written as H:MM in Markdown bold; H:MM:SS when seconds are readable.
**5:02**
